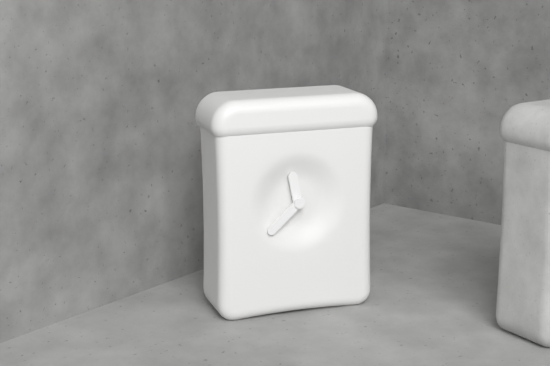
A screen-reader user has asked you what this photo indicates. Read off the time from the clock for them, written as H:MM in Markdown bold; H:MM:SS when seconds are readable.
**11:38**
